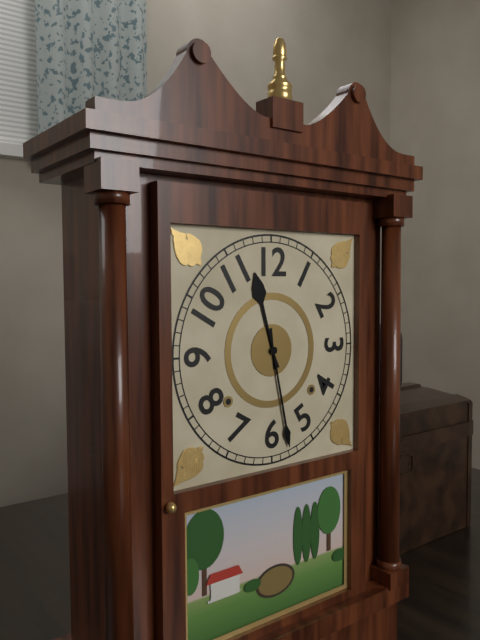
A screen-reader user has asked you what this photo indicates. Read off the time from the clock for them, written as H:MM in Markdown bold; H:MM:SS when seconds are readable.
**11:28**
